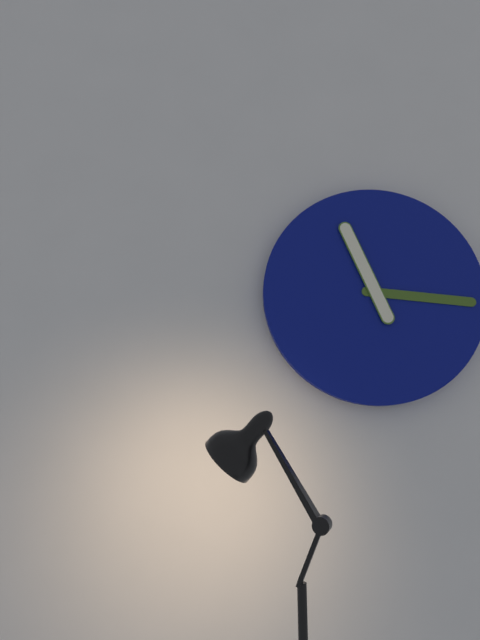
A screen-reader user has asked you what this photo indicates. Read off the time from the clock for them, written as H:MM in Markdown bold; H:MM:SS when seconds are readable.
**11:16**
